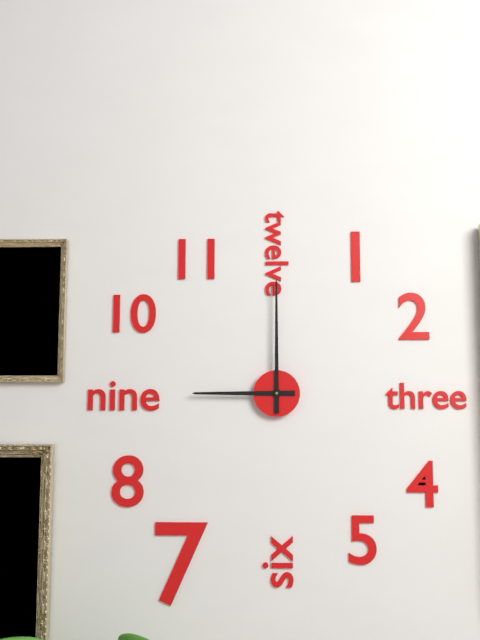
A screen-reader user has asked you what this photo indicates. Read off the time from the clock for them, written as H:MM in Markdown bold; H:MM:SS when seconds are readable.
**9:00**
